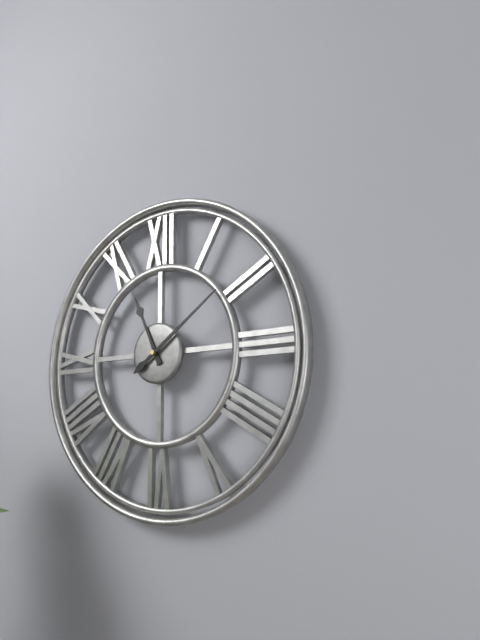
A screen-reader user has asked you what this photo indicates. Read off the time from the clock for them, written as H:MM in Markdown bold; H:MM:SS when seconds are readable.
**11:09**
